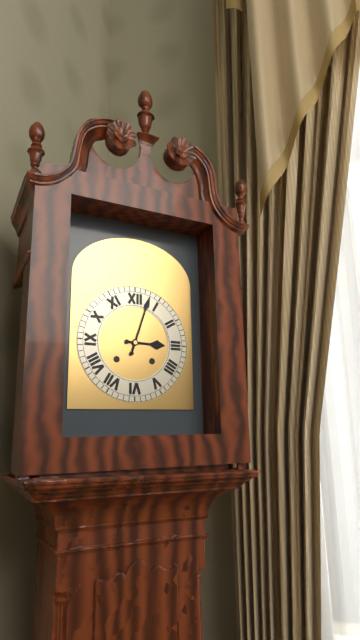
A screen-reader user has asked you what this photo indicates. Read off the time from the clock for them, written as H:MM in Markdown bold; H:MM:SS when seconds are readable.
**3:03**
